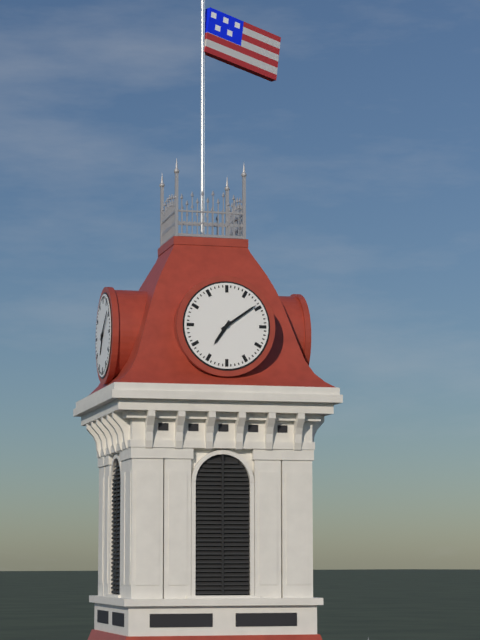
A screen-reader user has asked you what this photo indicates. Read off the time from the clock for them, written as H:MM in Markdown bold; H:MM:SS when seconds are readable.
**7:09**
